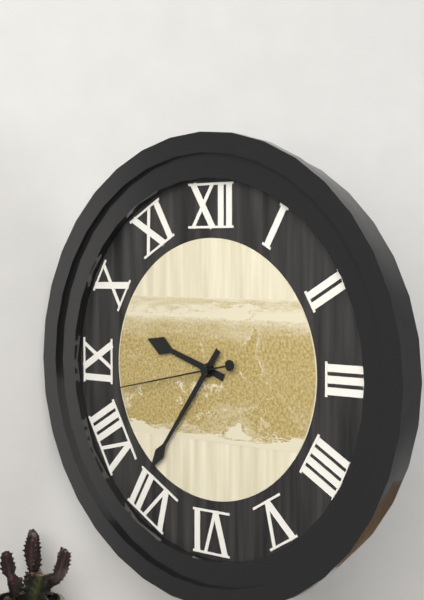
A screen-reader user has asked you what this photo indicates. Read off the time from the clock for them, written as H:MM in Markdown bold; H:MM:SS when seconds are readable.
**9:36:43**
